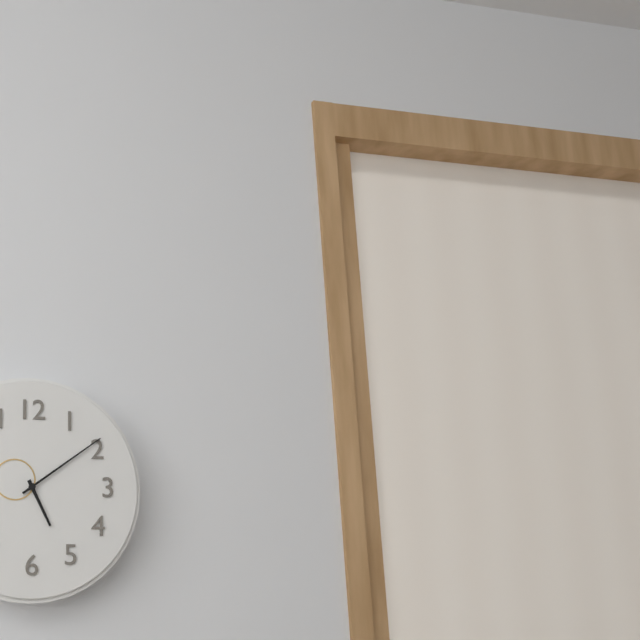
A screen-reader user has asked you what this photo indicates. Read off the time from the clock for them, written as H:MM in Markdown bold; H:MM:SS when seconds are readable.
**5:09**
